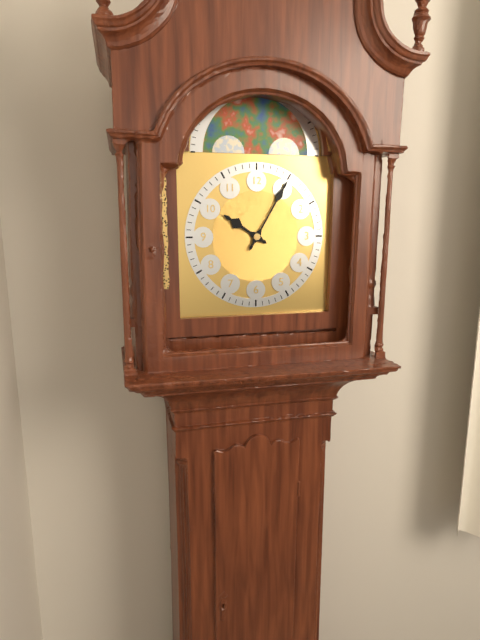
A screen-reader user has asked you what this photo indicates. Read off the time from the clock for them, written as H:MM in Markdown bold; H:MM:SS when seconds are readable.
**10:05**
